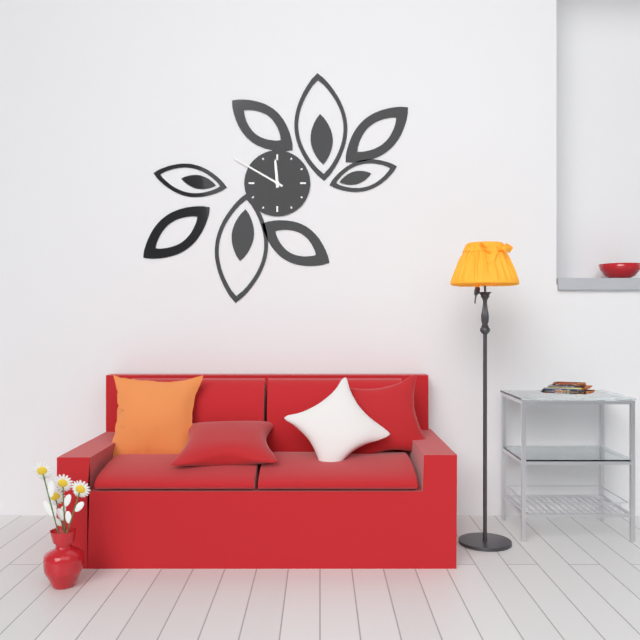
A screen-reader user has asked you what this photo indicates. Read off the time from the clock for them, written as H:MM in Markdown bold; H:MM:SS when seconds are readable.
**11:50**
